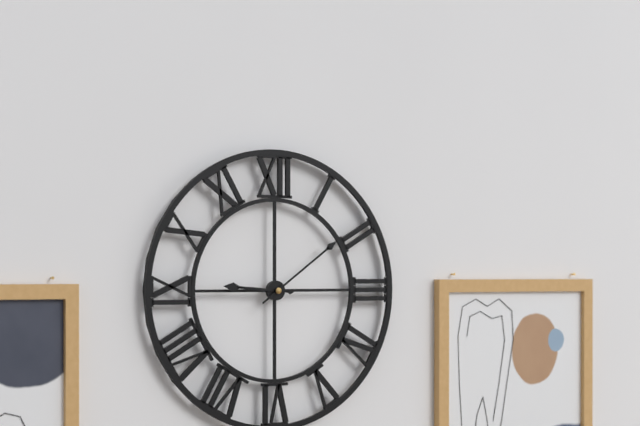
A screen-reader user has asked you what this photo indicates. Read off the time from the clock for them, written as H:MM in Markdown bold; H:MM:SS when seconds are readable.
**9:09**
